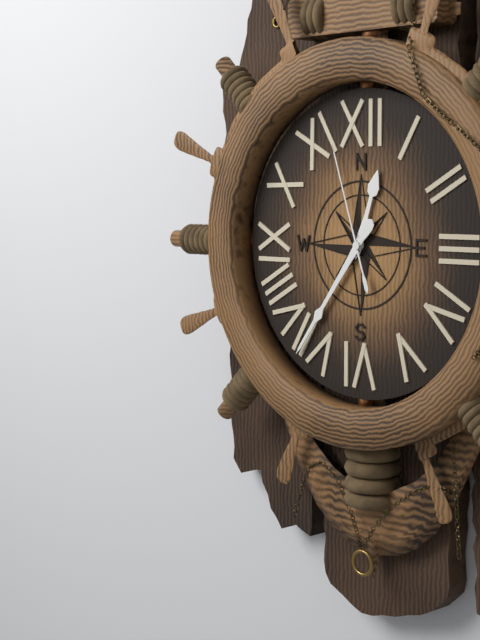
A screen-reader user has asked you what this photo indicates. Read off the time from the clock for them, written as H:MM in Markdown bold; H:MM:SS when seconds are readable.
**12:36:57**
